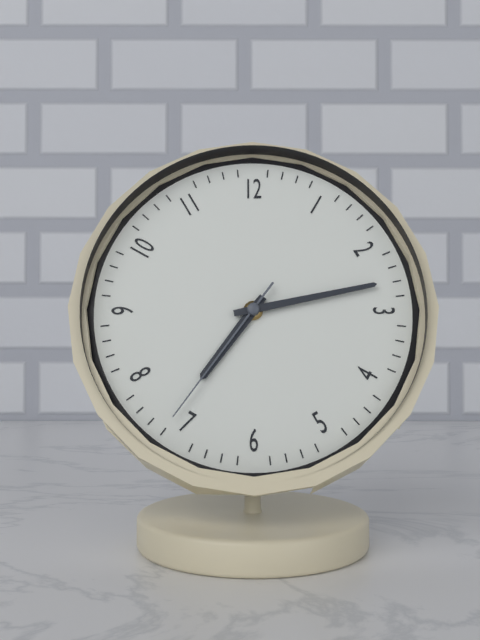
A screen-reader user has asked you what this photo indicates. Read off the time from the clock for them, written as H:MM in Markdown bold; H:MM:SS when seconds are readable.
**7:13:36**
